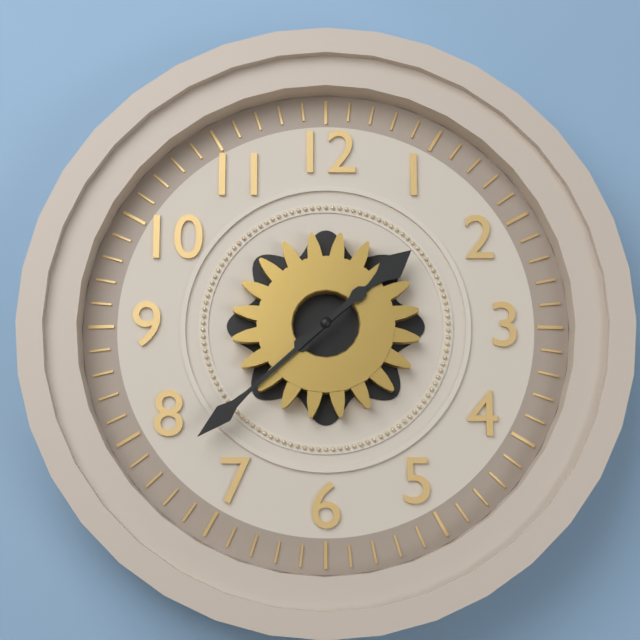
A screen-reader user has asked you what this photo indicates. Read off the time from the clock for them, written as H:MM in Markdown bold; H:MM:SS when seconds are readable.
**1:38**
